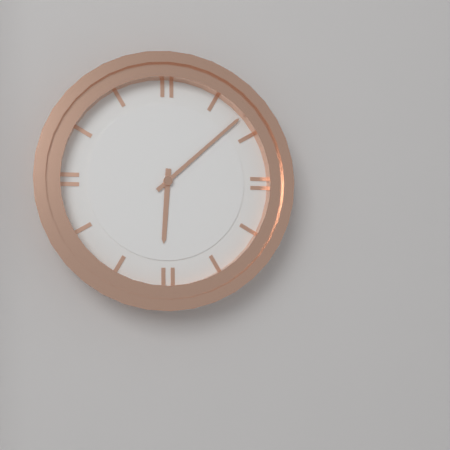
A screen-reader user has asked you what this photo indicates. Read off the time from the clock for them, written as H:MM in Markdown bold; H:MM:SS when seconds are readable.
**6:08**
